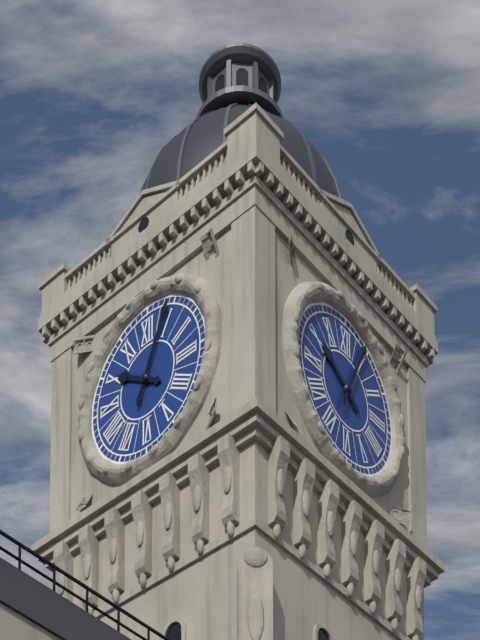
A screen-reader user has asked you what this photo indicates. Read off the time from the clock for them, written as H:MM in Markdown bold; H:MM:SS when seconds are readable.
**10:04**
